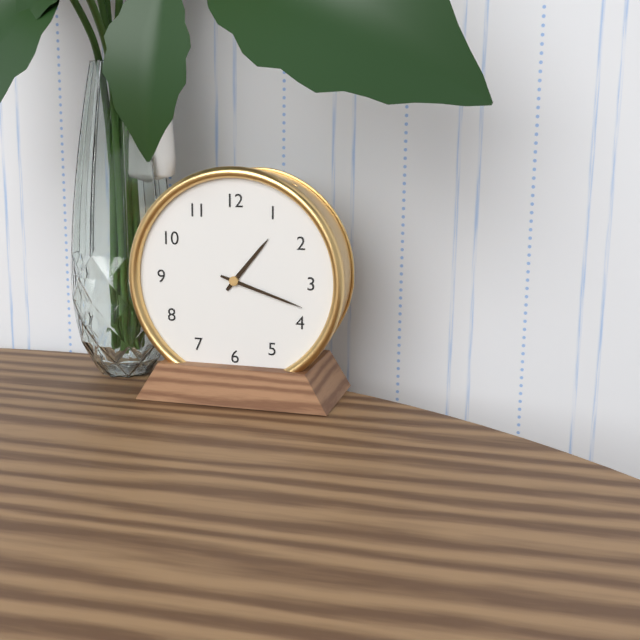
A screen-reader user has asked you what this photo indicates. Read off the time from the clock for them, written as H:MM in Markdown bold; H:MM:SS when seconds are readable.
**1:18**
